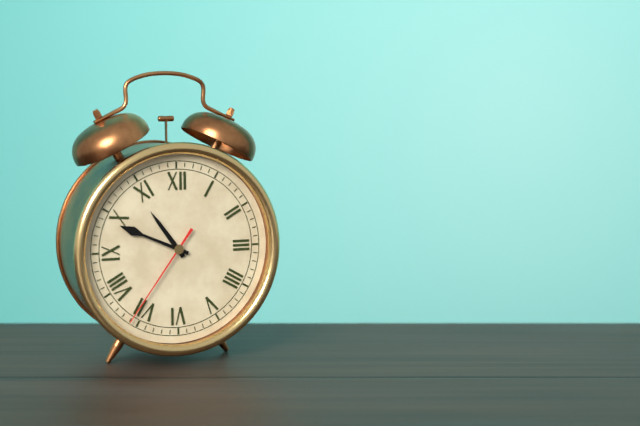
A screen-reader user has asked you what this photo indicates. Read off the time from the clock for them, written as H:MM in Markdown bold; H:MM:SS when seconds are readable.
**10:49:36**
